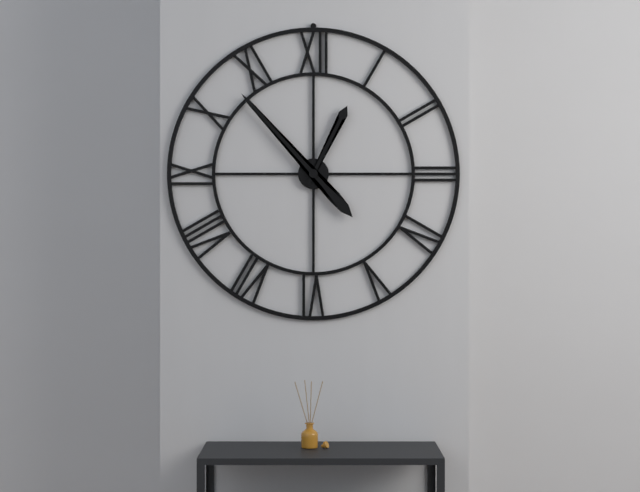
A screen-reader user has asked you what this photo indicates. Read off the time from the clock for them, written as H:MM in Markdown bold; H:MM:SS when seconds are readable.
**12:53**
